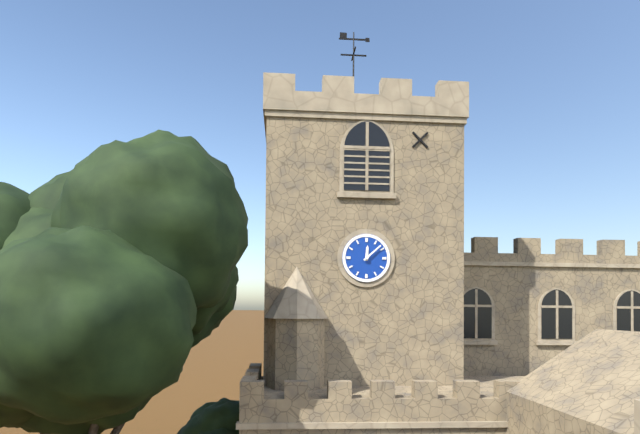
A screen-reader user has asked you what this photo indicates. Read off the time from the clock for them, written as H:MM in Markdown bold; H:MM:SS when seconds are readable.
**12:08**
